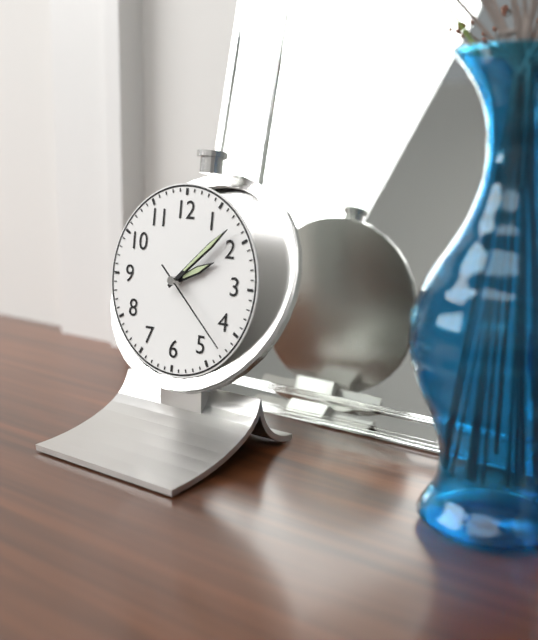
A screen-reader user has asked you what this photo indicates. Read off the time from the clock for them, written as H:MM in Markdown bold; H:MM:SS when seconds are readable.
**2:08:22**
